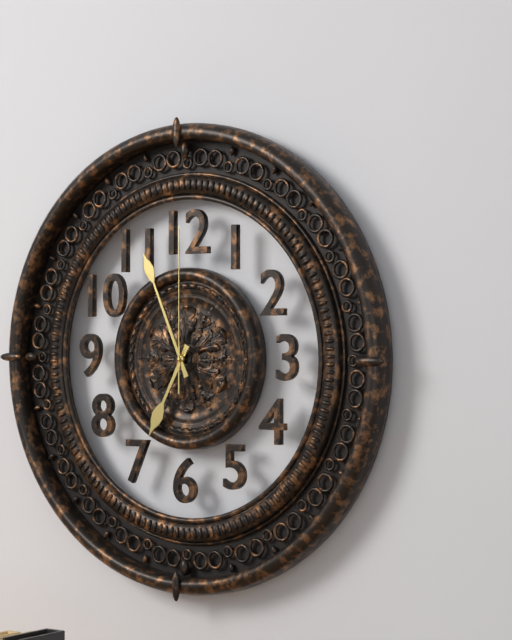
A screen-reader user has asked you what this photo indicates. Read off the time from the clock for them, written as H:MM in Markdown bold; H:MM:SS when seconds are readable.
**6:56:00**
